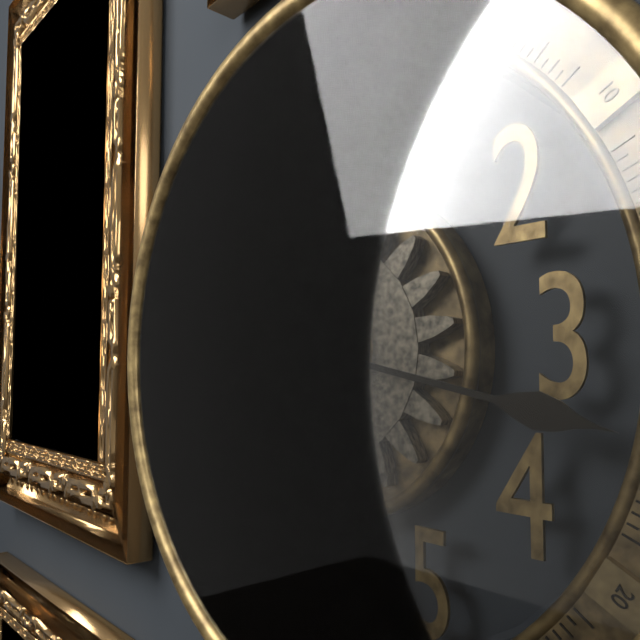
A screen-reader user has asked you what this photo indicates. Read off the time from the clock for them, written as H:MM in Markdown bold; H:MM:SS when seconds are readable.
**7:17**
